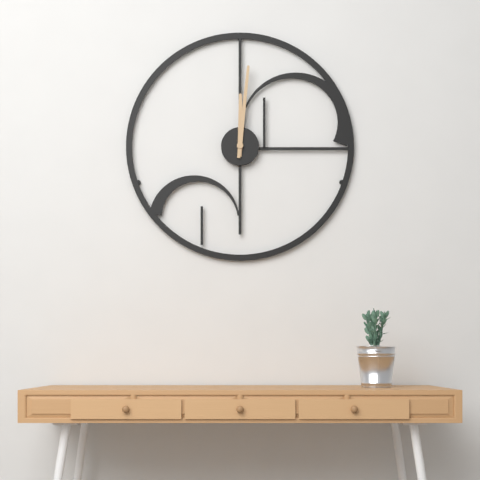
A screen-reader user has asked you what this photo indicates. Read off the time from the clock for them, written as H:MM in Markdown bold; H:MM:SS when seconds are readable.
**12:01**
